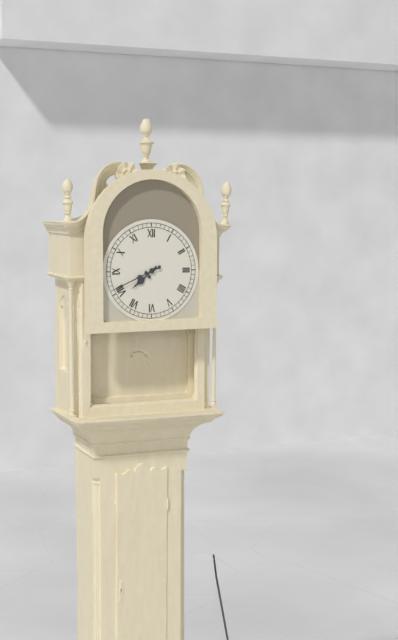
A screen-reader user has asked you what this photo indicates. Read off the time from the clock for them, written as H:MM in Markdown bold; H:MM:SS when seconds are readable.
**7:41**
